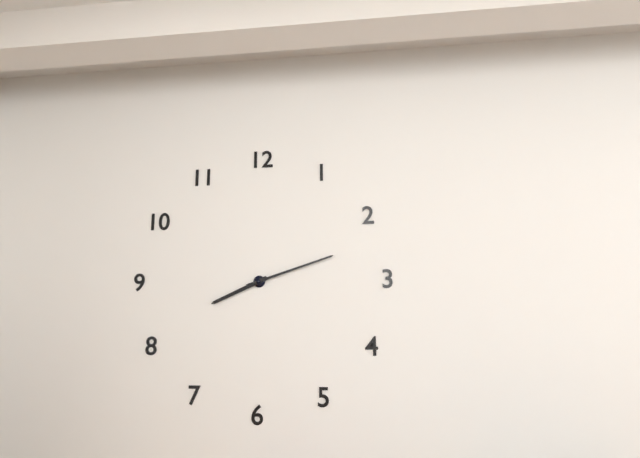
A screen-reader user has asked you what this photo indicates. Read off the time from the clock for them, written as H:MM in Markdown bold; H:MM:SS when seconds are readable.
**8:12**
